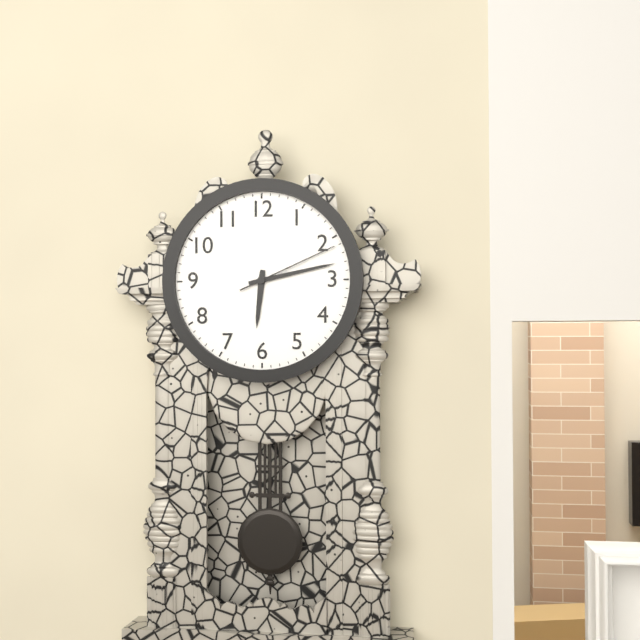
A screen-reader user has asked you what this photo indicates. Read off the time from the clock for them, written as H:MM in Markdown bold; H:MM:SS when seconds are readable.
**6:13:11**
